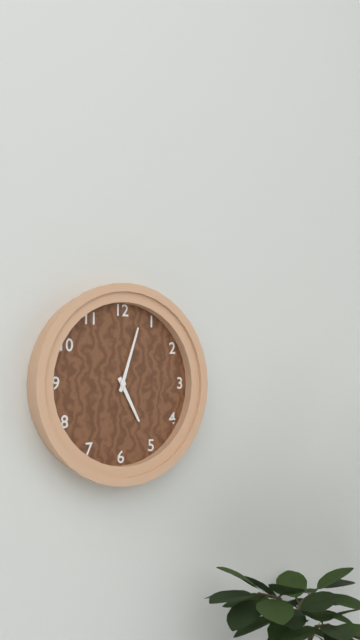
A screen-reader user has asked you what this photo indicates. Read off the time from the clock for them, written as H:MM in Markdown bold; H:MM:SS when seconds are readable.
**5:03**
